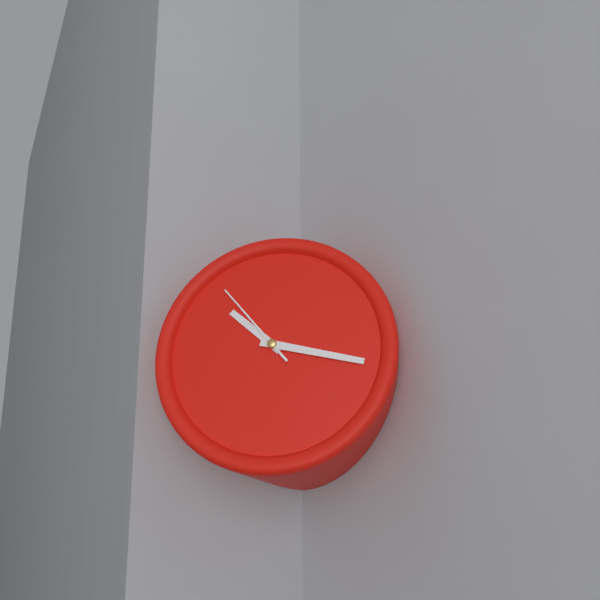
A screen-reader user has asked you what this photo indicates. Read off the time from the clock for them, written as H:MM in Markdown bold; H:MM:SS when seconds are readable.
**10:17:53**
